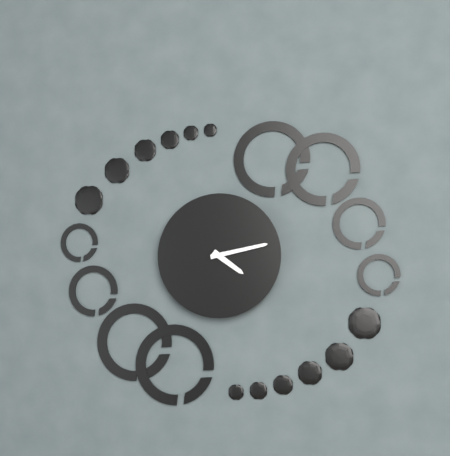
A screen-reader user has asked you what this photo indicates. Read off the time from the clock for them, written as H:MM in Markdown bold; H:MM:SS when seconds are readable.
**4:13**
